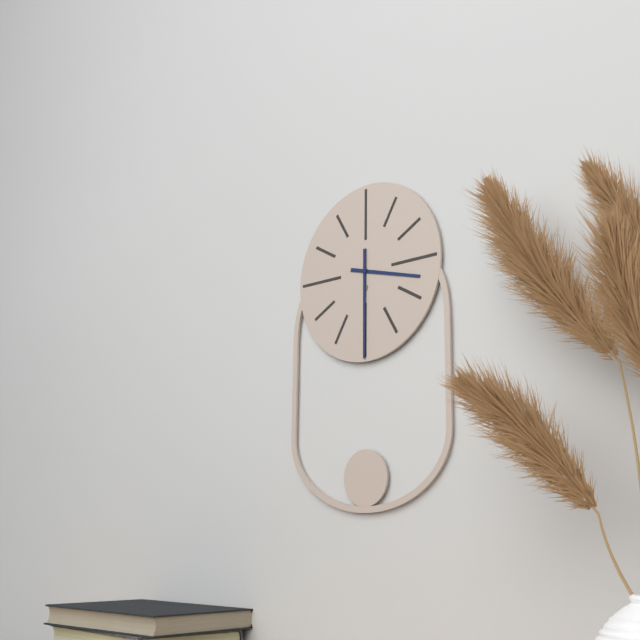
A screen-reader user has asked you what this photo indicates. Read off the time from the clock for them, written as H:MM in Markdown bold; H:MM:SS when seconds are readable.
**3:30**
